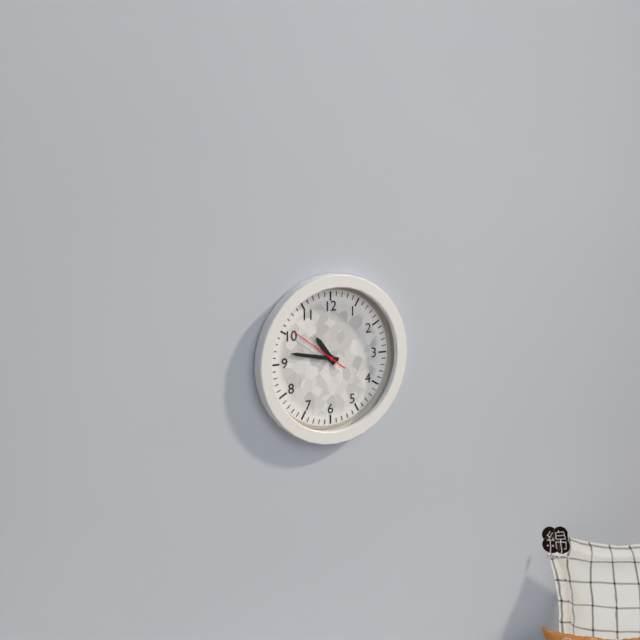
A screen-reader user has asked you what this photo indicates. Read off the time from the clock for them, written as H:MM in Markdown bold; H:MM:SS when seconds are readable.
**10:47:51**
